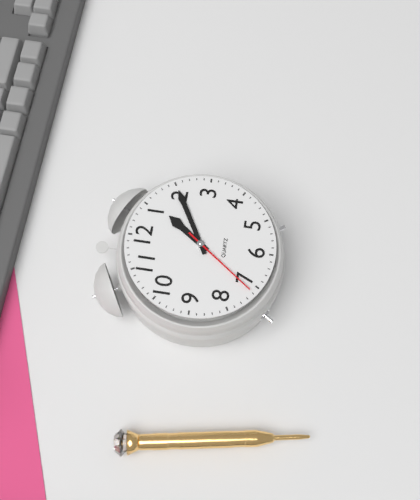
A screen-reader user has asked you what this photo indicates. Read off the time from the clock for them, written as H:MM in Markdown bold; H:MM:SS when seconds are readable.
**1:10:36**
